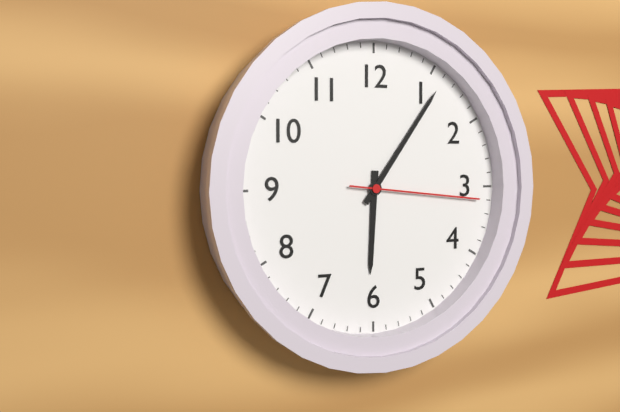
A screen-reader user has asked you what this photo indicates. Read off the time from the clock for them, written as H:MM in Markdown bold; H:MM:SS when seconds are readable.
**6:06:16**
